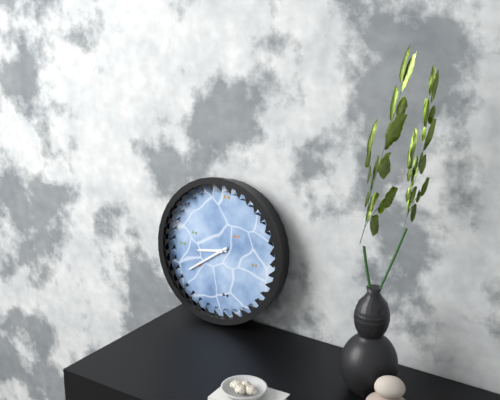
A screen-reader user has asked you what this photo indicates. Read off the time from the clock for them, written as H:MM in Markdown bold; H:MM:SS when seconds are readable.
**8:39**
